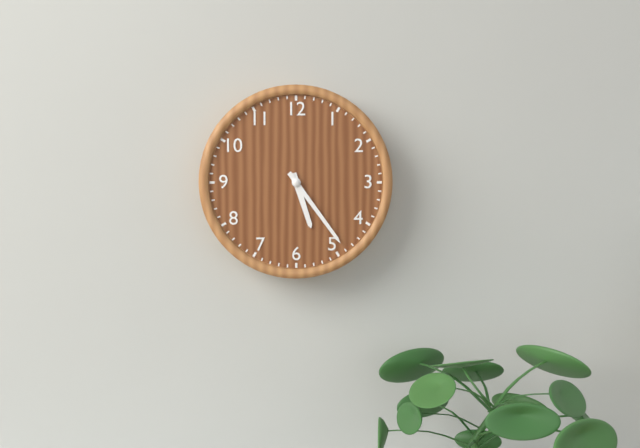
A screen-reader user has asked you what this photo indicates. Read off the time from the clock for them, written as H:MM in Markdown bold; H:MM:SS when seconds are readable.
**5:24**
